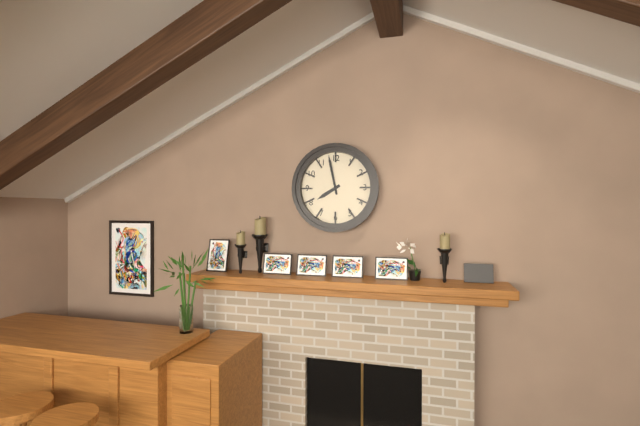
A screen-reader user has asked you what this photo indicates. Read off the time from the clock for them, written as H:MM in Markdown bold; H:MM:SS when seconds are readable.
**7:58**
